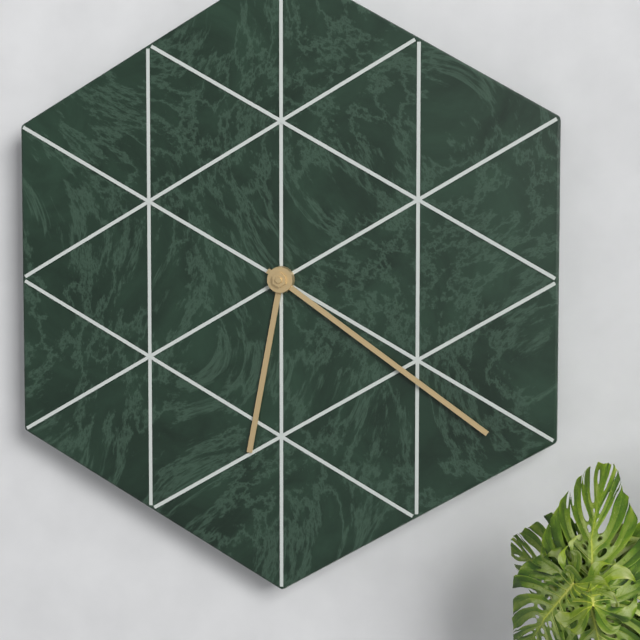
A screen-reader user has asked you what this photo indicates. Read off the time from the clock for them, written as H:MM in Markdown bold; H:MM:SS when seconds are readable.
**6:21**
